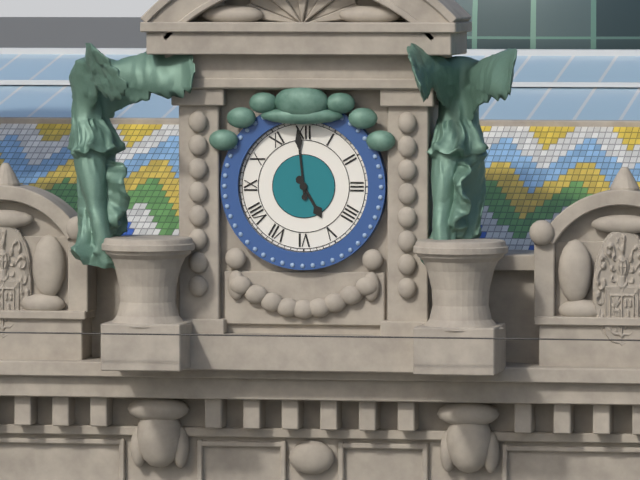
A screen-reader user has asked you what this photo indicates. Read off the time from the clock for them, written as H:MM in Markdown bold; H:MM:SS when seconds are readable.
**4:59**
